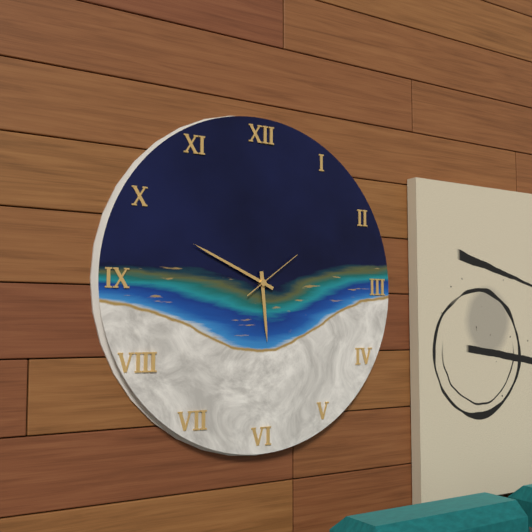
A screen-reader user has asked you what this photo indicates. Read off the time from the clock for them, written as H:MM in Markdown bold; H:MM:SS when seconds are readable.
**5:49:09**
